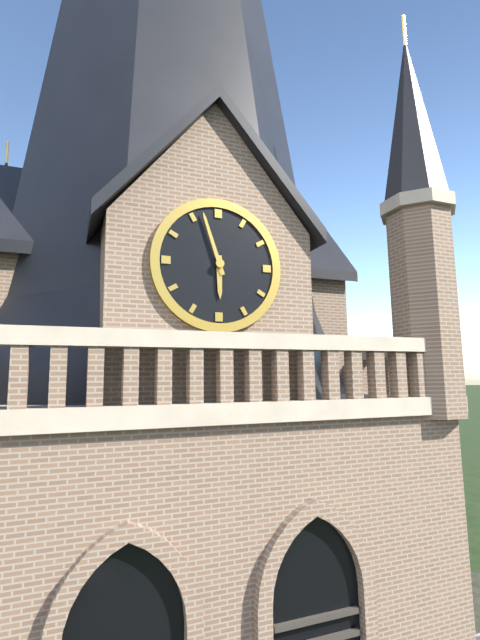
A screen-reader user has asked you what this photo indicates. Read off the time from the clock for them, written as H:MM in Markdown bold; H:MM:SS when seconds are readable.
**5:57**
